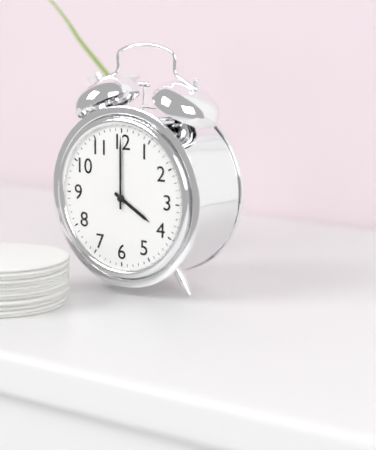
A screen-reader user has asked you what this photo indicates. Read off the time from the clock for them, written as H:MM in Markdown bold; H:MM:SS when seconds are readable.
**4:00**
